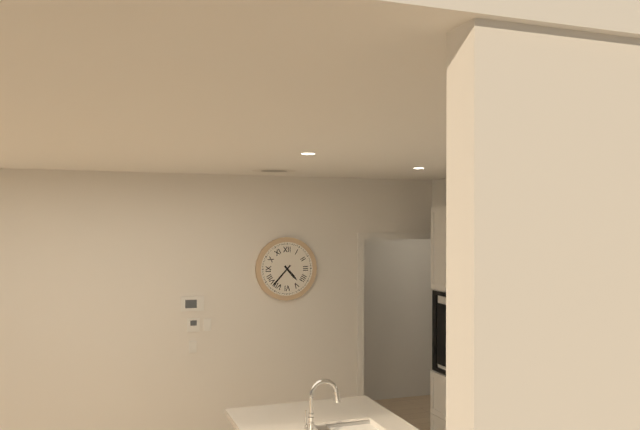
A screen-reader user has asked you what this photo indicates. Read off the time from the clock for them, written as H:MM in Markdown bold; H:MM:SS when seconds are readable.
**4:37**
